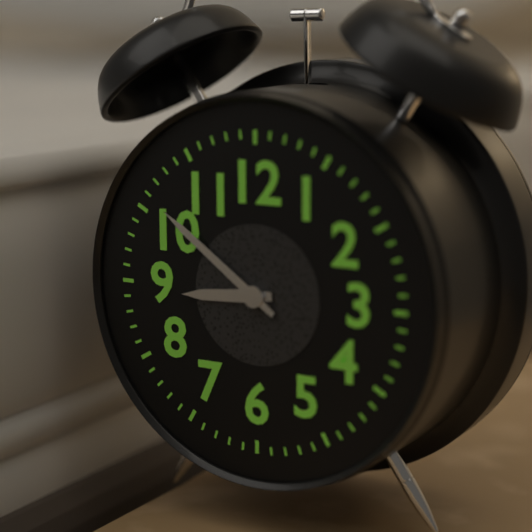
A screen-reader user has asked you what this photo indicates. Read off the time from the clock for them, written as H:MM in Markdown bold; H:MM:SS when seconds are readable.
**8:51**
